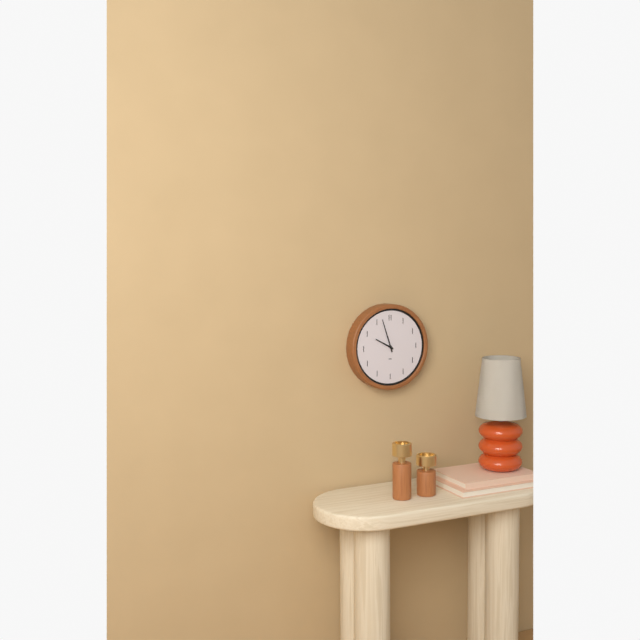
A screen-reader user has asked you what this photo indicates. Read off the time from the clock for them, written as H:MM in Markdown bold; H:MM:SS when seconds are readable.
**9:57**
